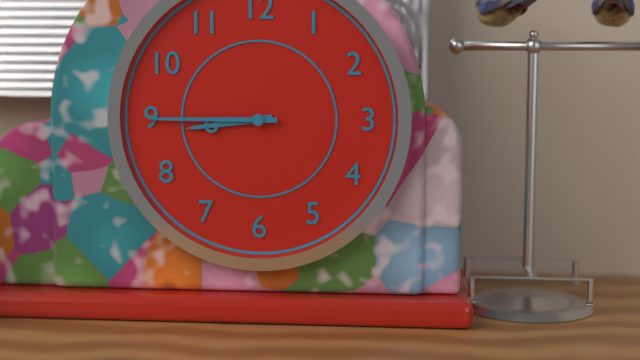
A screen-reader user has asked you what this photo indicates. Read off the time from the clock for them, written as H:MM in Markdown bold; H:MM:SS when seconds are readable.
**8:45**
